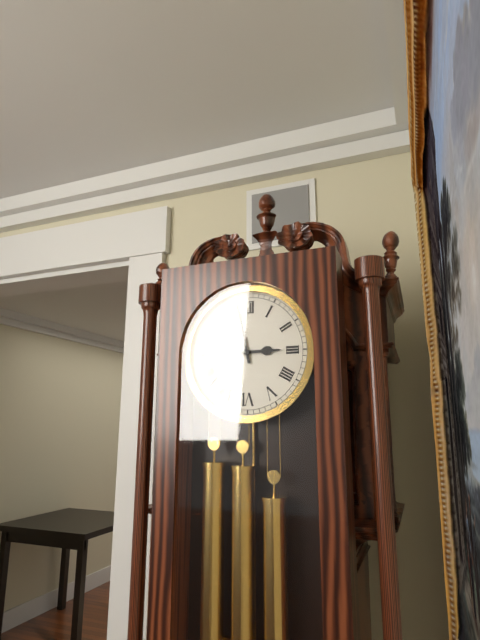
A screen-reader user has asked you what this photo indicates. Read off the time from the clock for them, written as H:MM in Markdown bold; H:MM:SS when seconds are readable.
**2:58**
